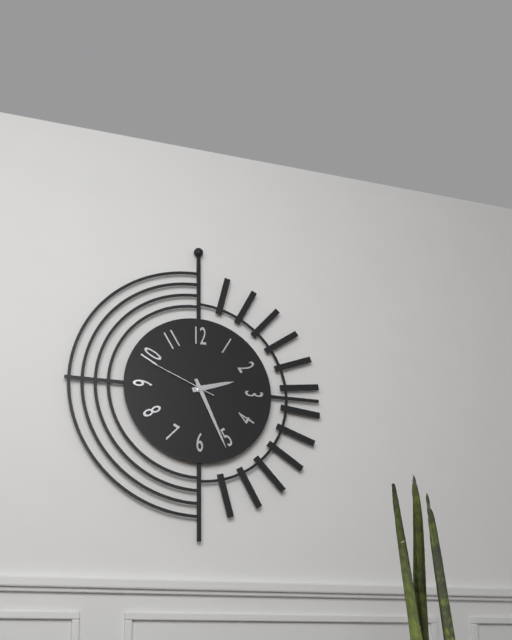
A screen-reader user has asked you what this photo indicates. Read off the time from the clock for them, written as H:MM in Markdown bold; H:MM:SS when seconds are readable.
**2:26:49**
